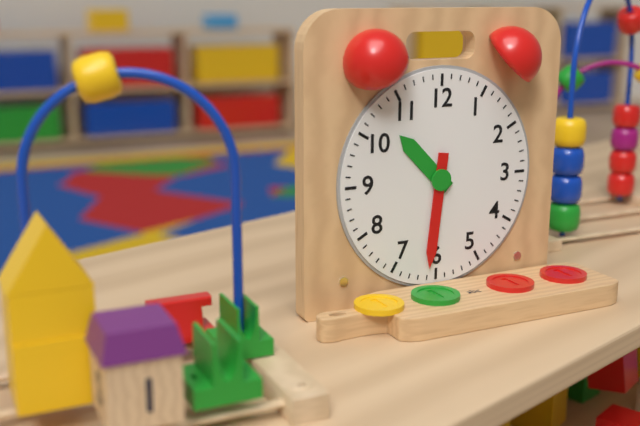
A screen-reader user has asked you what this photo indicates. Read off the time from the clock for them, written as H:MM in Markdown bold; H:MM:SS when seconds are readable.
**10:31**
